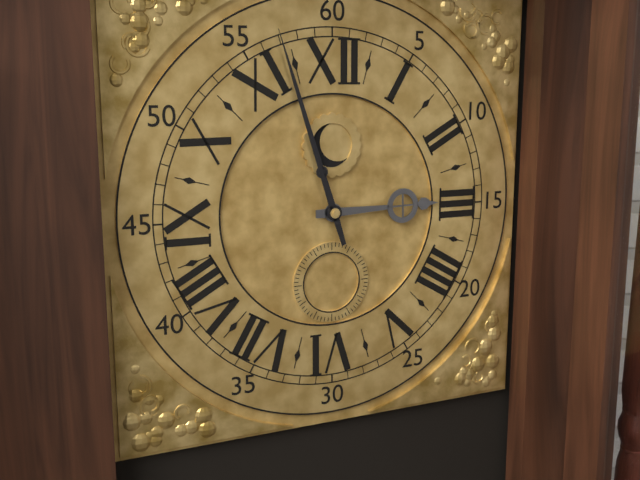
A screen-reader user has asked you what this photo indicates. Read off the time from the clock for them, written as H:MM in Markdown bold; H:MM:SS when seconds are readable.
**2:57**
